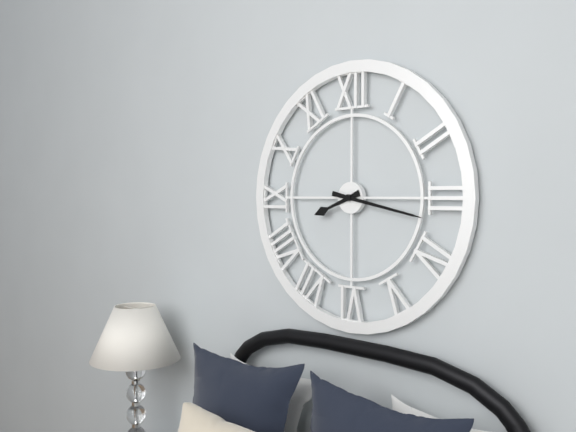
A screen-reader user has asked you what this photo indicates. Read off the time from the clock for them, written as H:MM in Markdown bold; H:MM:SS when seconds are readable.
**8:17**
